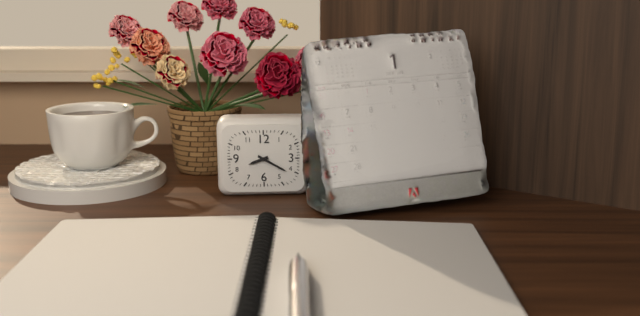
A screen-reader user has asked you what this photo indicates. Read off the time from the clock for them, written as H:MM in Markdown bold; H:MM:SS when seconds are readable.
**8:20**
